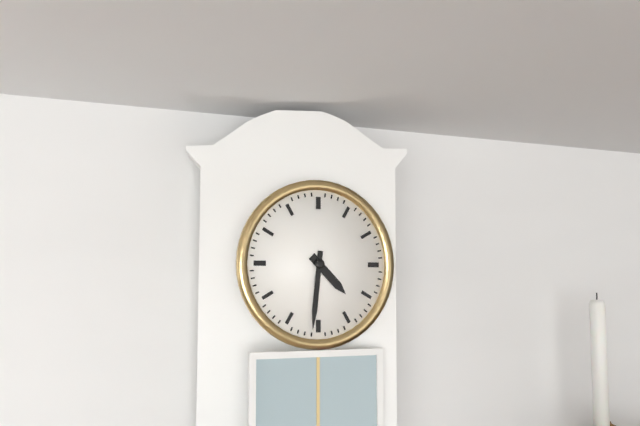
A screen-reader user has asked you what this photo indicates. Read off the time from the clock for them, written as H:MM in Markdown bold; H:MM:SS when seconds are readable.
**4:31**
